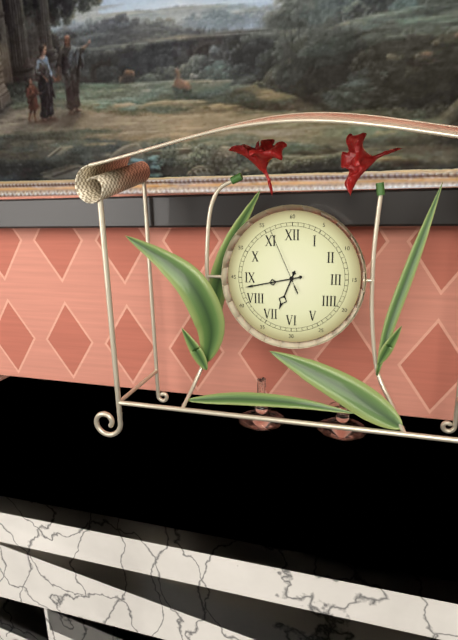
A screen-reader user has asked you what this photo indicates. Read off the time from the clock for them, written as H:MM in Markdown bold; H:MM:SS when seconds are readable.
**6:43:56**
